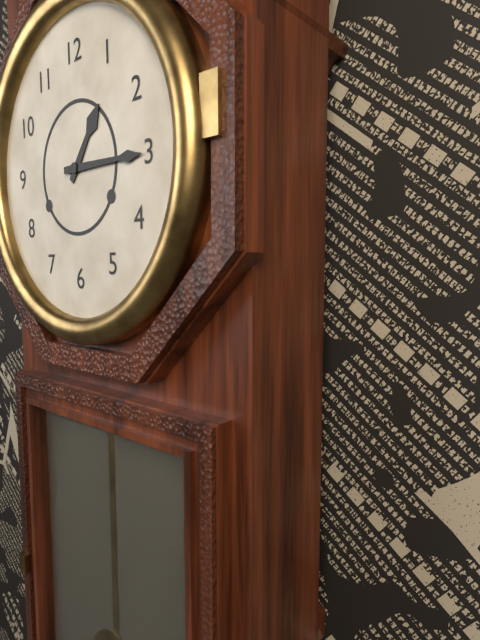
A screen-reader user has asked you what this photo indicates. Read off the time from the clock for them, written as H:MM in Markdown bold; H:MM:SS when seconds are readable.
**1:15**
